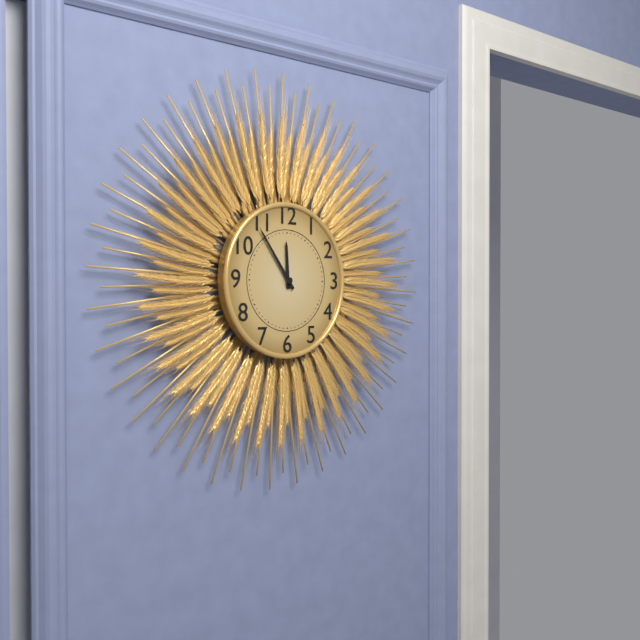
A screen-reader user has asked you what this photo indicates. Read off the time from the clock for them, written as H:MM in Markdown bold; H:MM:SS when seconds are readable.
**11:54**
